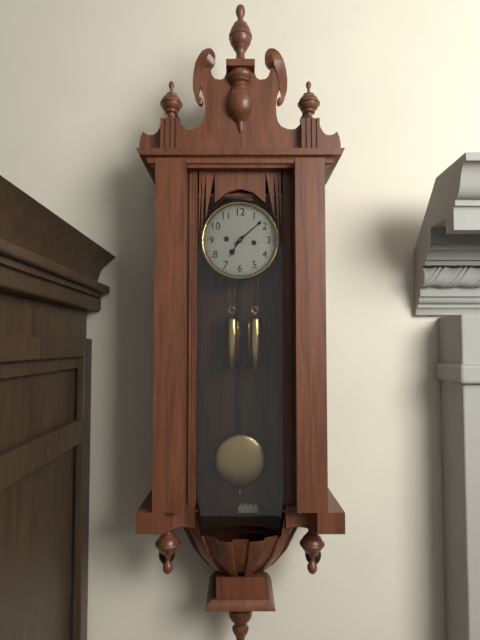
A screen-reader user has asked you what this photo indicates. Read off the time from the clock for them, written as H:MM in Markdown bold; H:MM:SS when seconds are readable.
**7:08**
